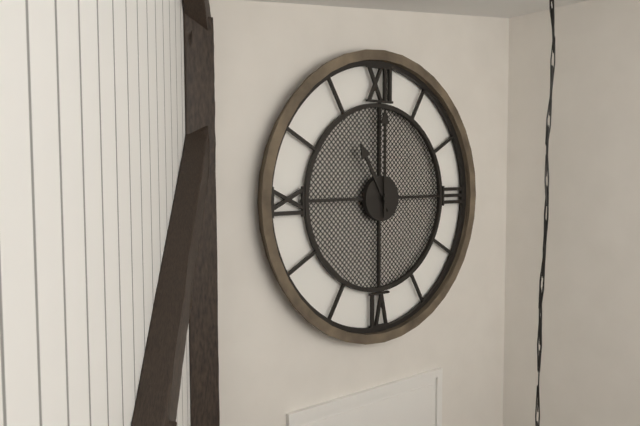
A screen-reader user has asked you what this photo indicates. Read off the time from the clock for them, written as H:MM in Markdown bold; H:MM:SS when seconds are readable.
**11:00**
